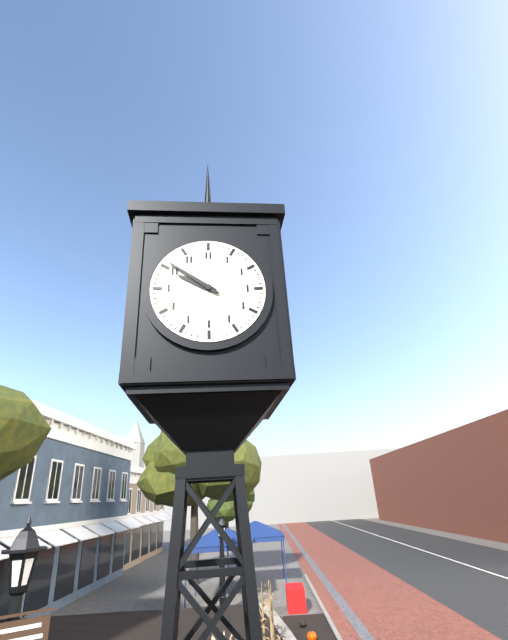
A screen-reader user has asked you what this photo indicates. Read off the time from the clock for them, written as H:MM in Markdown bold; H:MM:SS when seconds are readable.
**9:51**
